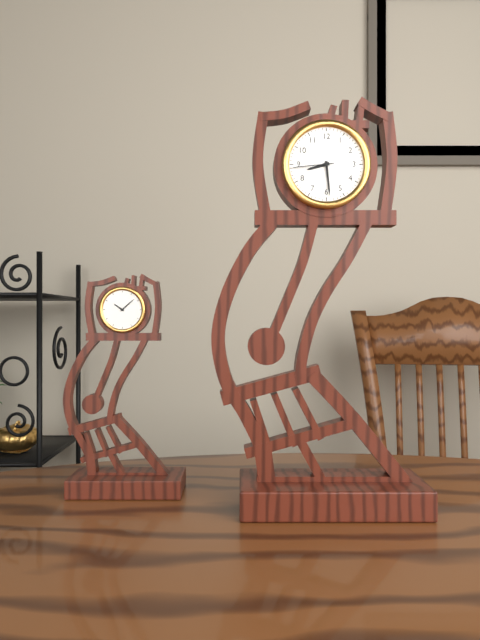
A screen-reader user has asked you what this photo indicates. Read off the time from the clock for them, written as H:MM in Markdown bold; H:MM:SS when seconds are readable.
**8:29**
